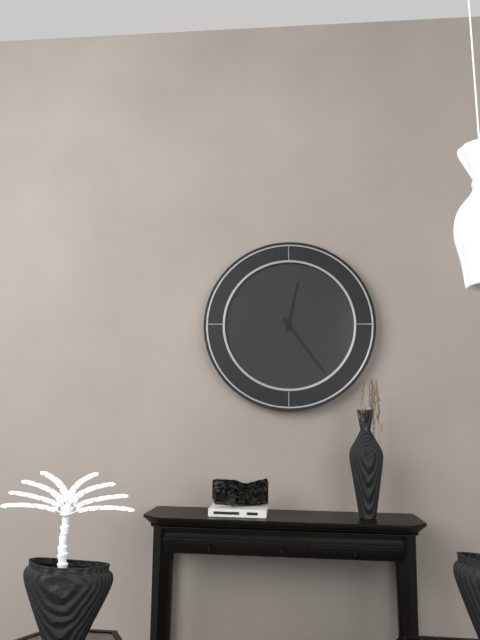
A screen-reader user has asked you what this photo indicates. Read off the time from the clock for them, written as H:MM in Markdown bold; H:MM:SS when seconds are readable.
**12:24**
